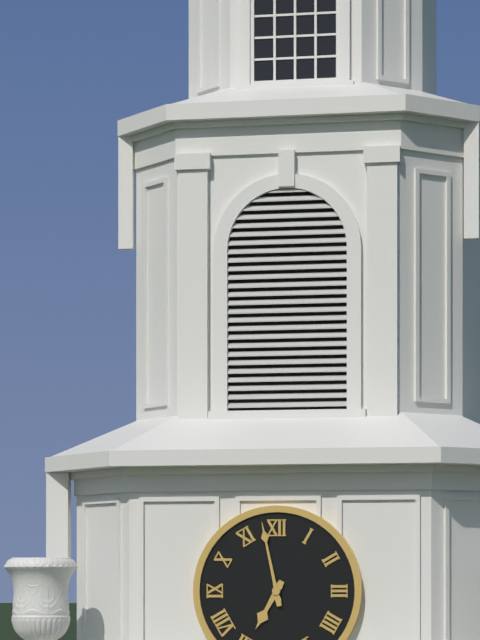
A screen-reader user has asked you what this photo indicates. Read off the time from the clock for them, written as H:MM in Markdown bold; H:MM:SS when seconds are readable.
**6:58**
